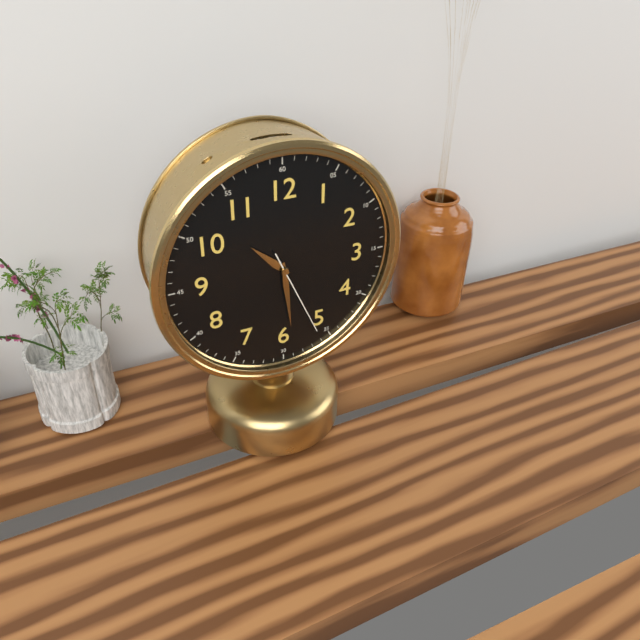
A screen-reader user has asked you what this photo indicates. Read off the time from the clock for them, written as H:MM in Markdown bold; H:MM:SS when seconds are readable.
**10:29:26**
